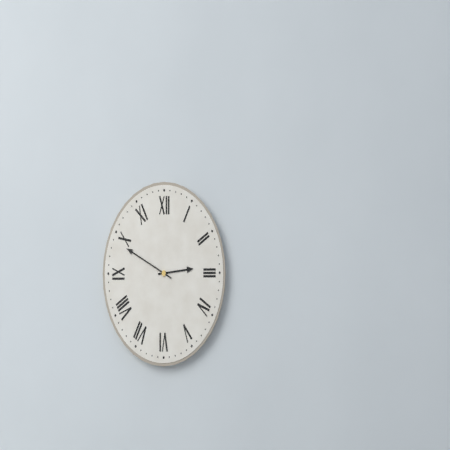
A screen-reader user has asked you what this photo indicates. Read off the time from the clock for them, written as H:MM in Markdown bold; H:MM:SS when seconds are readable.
**2:49**
